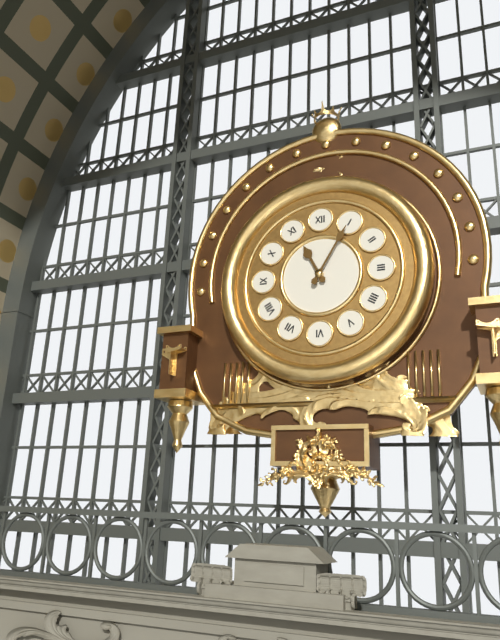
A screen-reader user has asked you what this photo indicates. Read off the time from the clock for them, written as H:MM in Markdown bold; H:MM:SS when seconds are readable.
**11:05**
